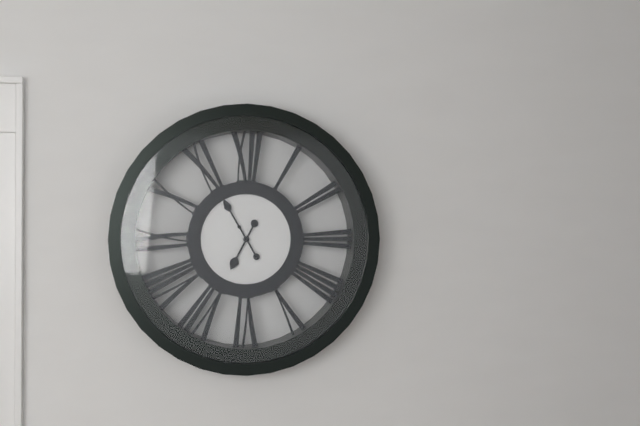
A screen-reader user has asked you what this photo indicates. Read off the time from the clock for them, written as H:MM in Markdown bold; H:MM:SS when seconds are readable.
**6:55**
